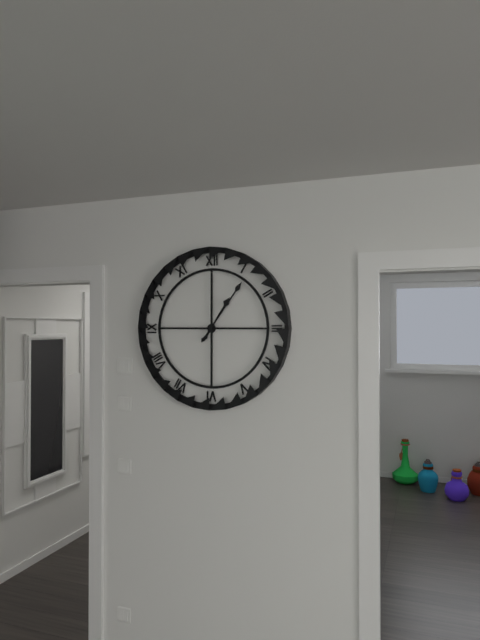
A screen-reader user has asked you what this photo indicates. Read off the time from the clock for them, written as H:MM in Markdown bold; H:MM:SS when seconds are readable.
**1:06**
